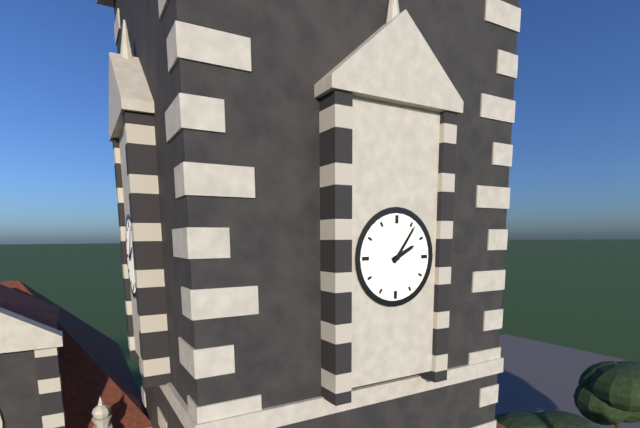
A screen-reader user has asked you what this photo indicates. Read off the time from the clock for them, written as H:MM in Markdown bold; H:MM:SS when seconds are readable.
**2:06**
